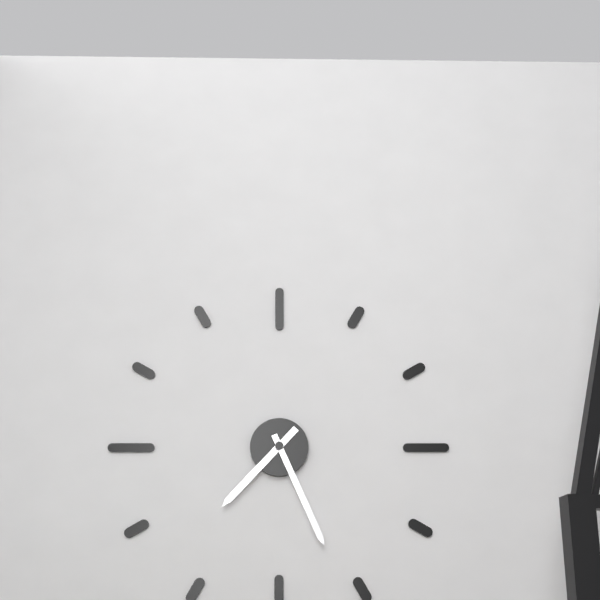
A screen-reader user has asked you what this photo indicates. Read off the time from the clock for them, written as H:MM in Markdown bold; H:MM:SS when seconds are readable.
**7:26**
